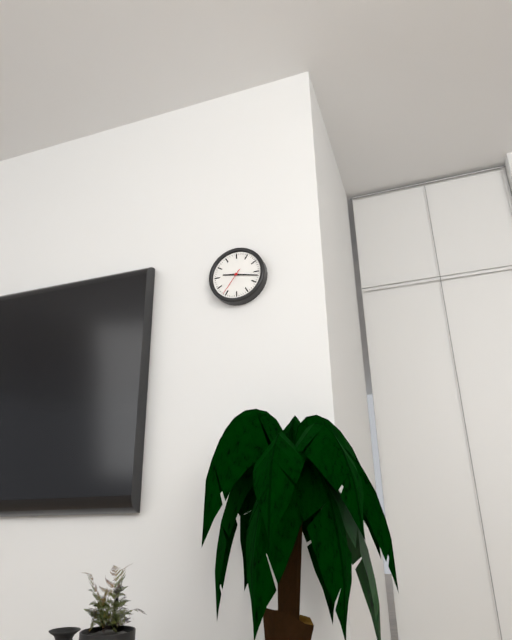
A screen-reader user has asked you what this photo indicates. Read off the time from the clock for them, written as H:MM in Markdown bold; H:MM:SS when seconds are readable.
**9:17**
